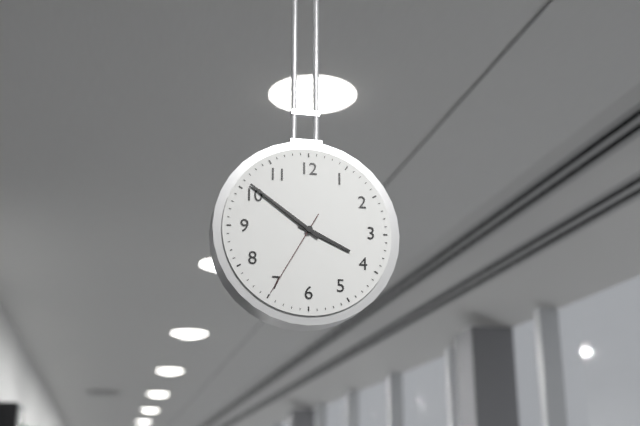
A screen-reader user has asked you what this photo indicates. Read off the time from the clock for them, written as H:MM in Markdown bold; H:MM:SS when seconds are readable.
**3:51:35**
